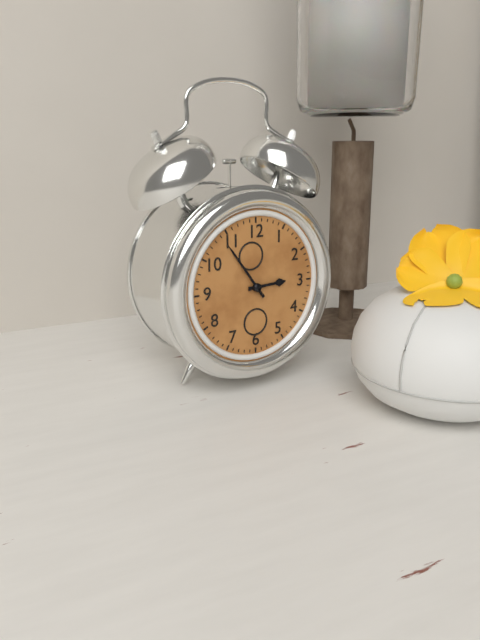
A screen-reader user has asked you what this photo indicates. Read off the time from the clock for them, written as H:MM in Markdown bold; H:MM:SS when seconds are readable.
**2:54**
